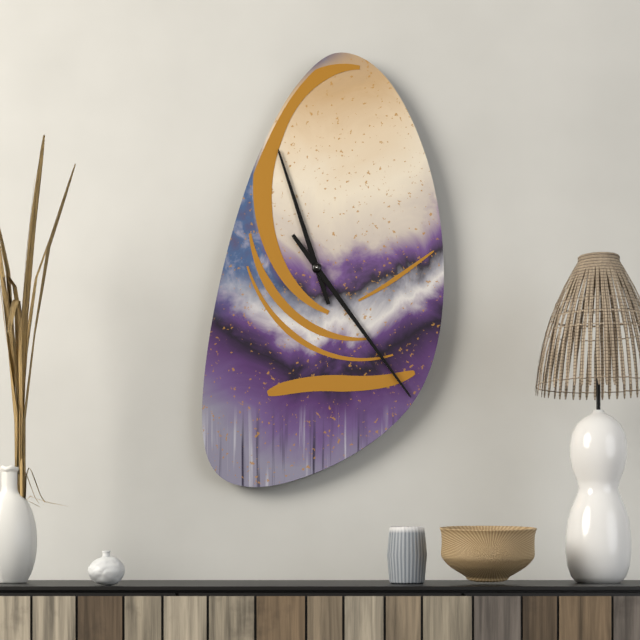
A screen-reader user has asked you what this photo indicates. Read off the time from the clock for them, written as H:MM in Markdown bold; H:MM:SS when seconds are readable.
**11:24**
